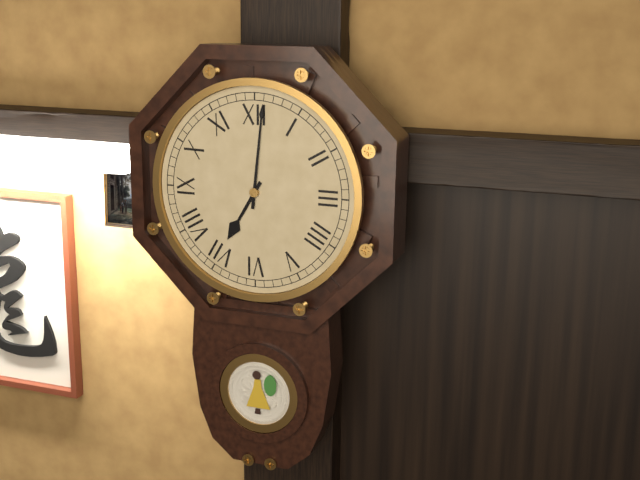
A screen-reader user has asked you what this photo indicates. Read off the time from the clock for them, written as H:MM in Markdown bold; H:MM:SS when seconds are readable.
**7:01**
